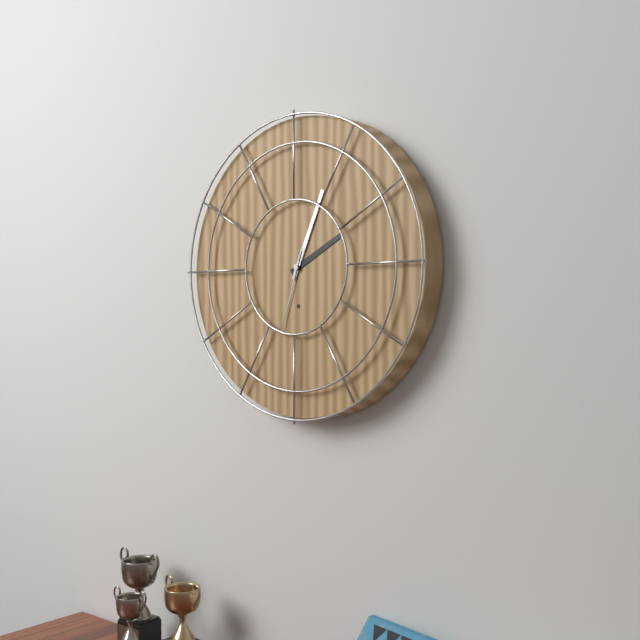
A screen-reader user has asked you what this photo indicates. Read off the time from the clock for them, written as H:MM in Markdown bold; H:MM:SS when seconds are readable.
**2:04:33**
